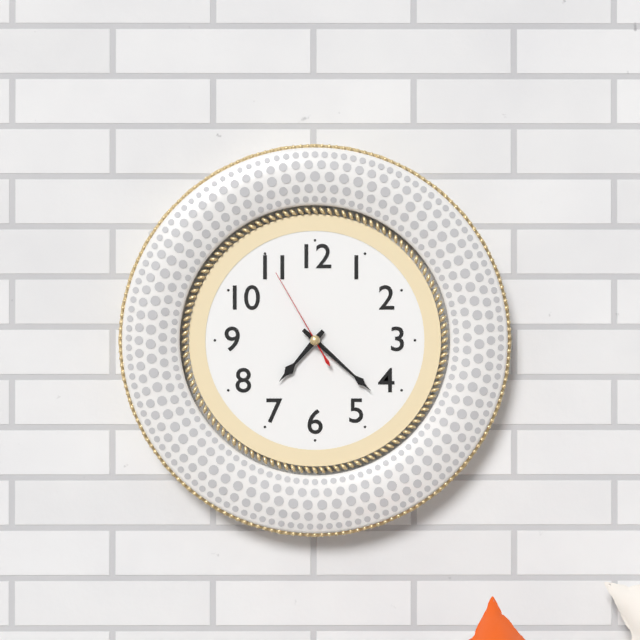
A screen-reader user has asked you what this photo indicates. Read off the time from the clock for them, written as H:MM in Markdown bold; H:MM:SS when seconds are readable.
**7:22:55**
